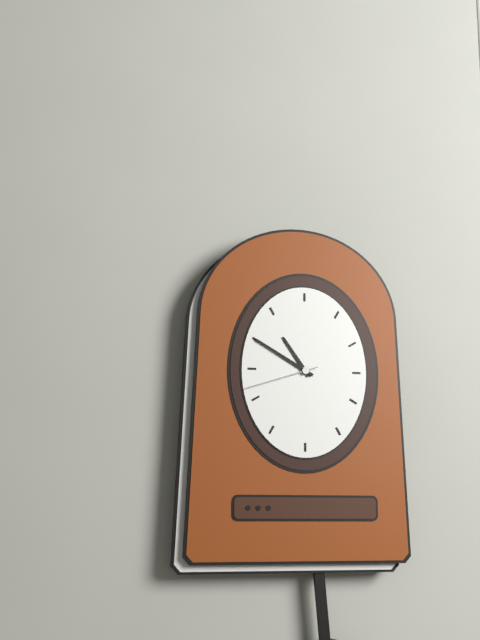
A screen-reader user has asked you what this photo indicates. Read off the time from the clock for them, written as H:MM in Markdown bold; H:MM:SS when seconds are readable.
**10:50:42**
